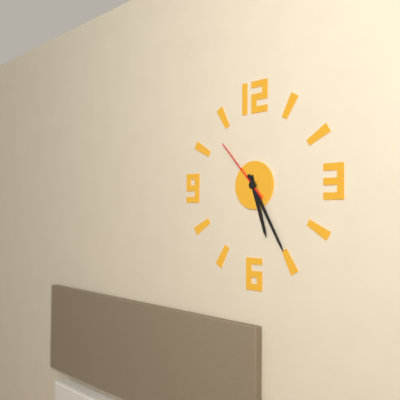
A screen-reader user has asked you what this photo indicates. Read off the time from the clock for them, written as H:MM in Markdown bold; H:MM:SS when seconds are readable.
**5:25:53**
